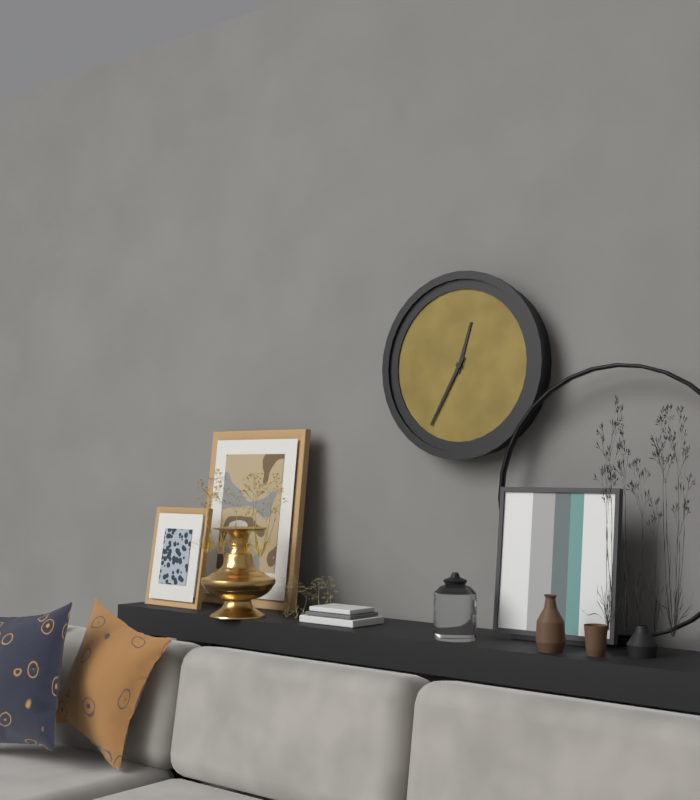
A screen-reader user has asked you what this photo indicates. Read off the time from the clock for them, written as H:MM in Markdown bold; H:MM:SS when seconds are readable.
**12:35**
